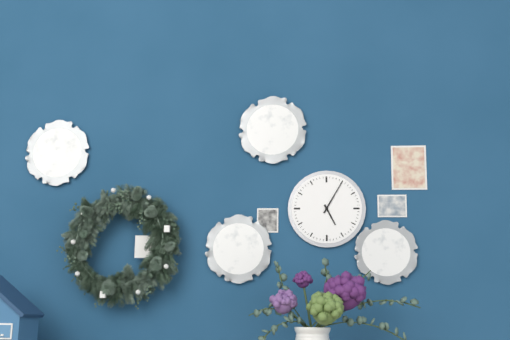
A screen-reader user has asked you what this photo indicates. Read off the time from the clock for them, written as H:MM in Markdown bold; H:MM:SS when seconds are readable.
**5:05**
